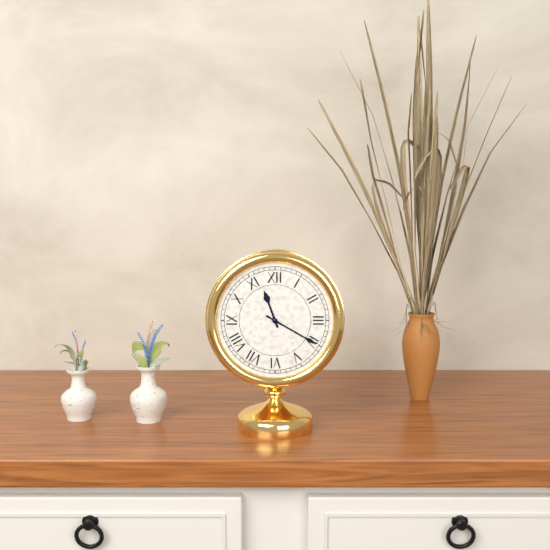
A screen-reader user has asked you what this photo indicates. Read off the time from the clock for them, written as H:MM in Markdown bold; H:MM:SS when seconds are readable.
**11:20**
